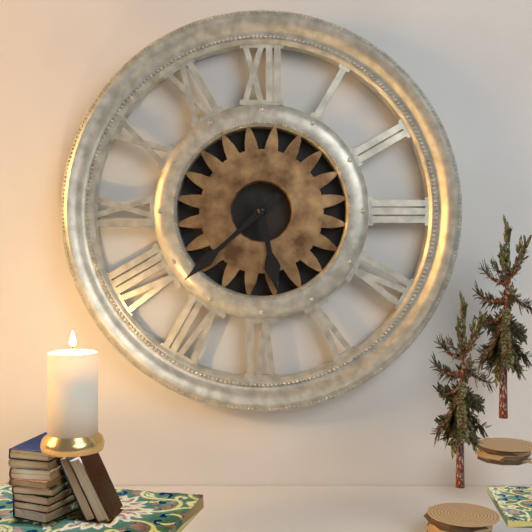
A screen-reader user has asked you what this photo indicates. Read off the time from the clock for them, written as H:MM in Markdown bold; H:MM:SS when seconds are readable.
**5:38**
